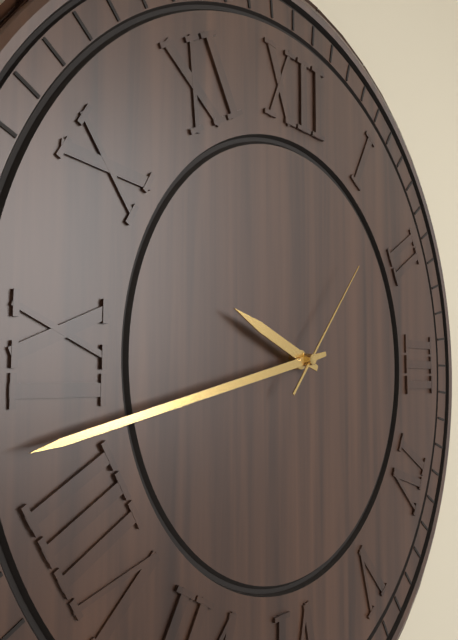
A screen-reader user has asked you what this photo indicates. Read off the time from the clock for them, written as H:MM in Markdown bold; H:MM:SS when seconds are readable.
**9:43:07**
